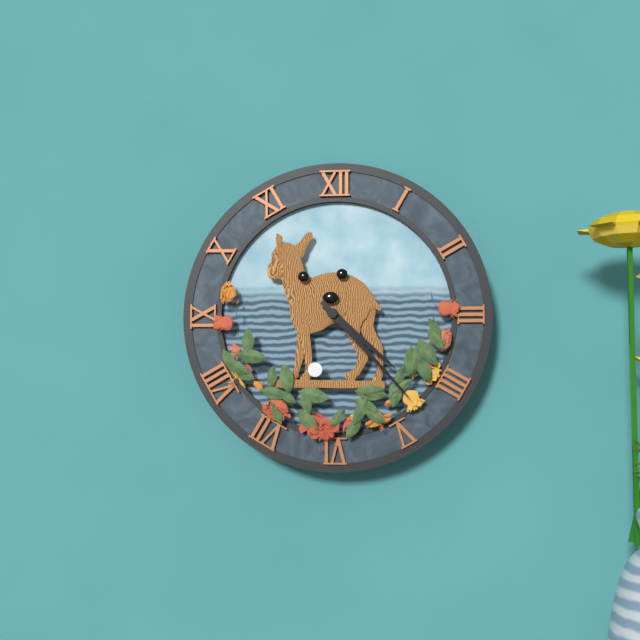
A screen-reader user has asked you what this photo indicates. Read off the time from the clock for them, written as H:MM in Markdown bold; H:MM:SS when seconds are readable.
**4:23**
